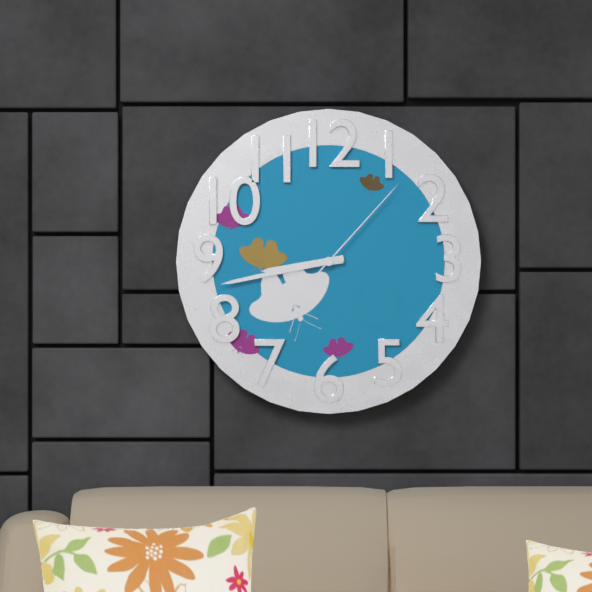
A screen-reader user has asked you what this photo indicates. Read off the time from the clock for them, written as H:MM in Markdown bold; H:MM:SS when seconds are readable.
**8:43:07**
